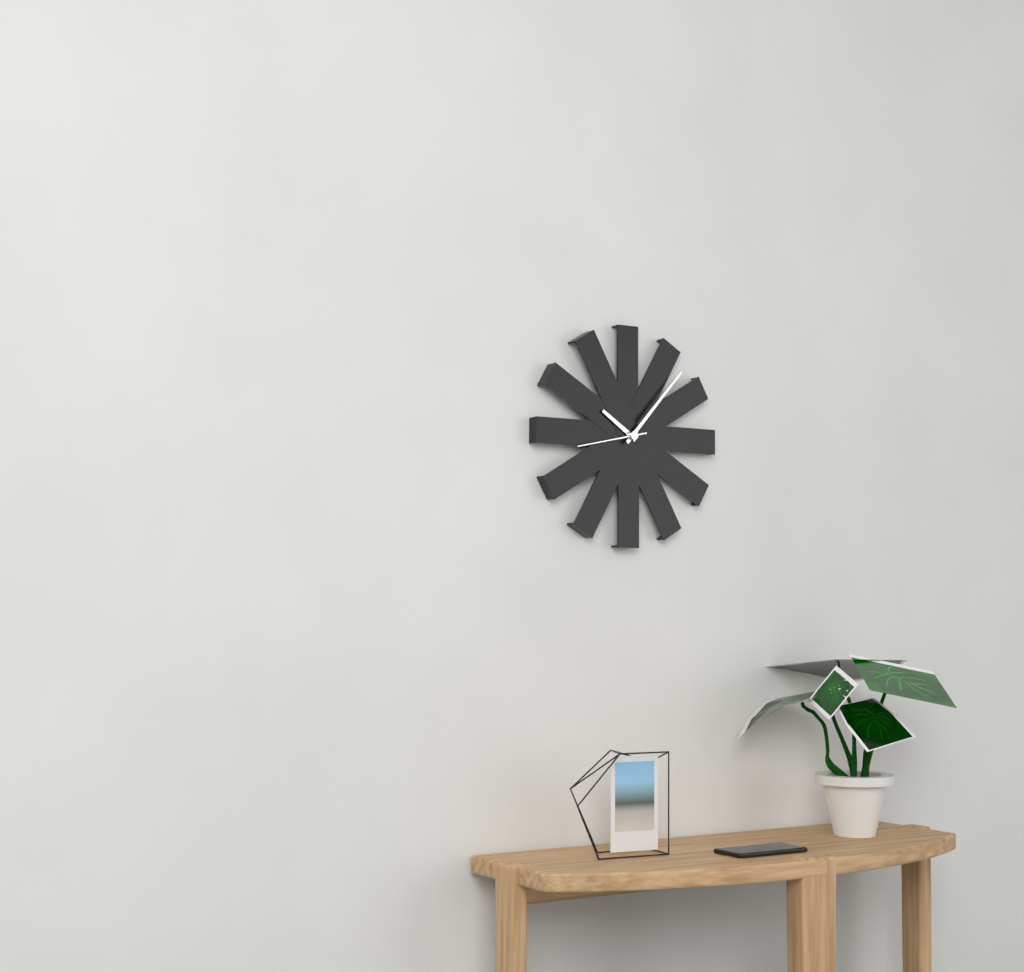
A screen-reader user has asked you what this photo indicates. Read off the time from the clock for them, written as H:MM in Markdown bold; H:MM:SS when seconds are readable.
**10:07:43**
